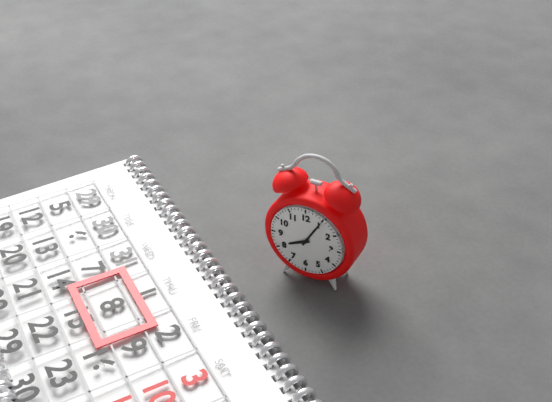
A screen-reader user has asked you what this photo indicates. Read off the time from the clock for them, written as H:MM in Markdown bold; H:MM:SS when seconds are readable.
**8:05**
